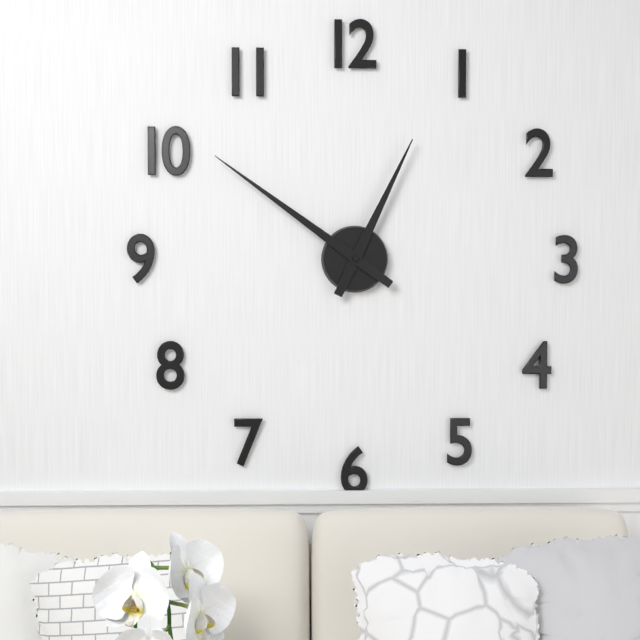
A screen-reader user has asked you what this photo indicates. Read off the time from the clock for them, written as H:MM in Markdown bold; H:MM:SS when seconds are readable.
**12:51**
